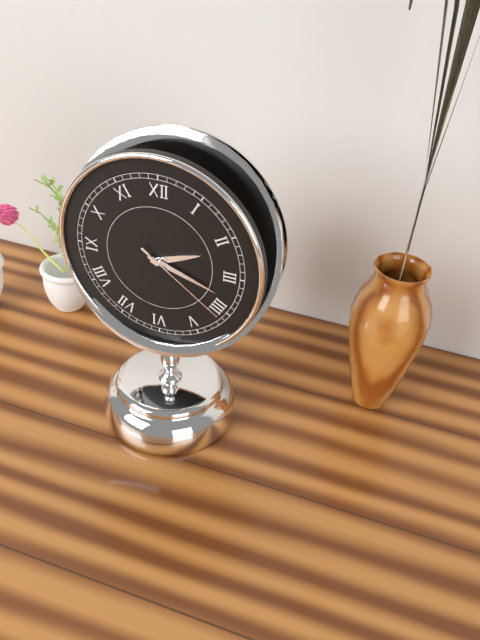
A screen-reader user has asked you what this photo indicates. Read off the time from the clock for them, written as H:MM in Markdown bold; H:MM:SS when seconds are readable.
**2:18:21**
